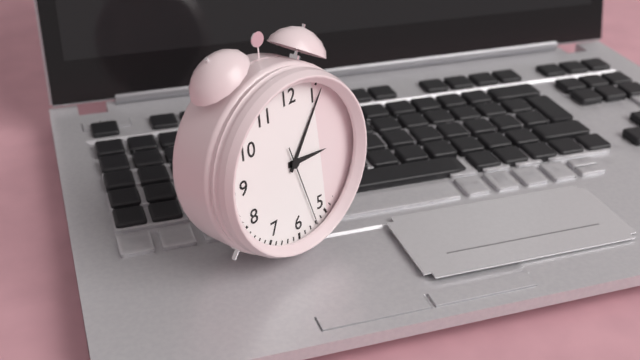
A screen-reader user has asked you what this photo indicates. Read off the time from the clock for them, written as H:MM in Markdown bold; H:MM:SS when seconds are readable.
**3:06:27**
